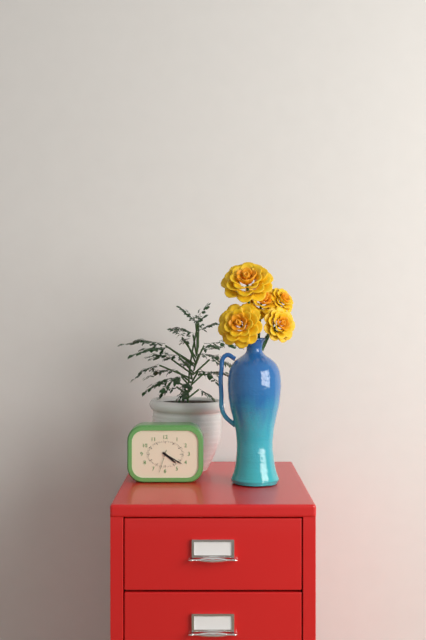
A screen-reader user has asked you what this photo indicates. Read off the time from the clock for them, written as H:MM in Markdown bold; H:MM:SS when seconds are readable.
**4:20**
